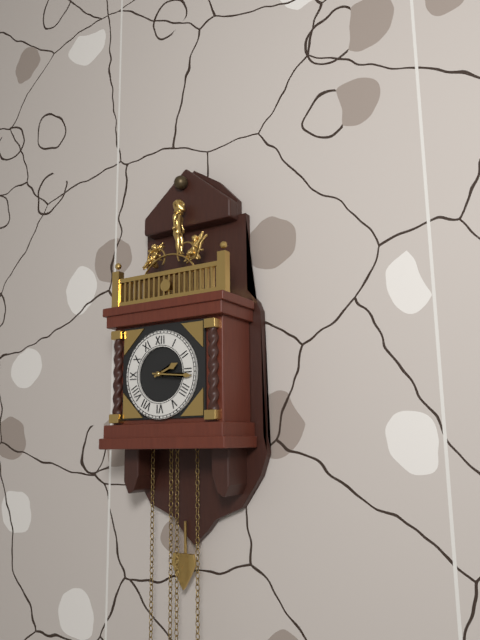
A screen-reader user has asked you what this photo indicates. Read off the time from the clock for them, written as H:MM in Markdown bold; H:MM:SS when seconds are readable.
**2:16**
